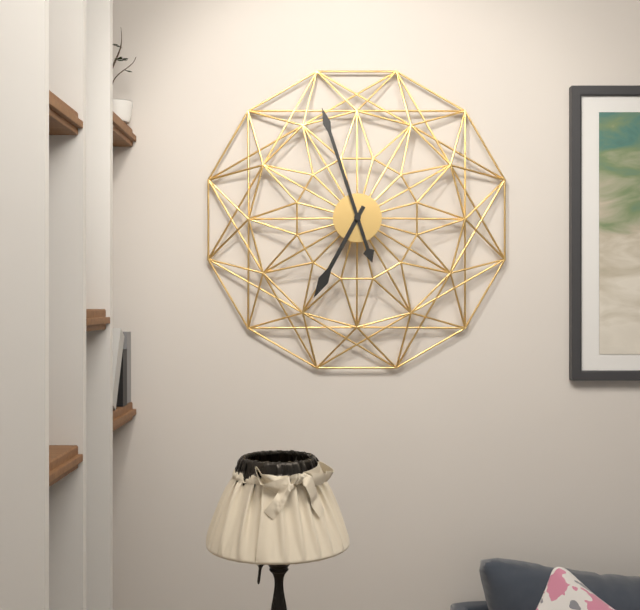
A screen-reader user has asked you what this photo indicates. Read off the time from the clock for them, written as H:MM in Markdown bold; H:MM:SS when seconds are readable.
**6:57**
